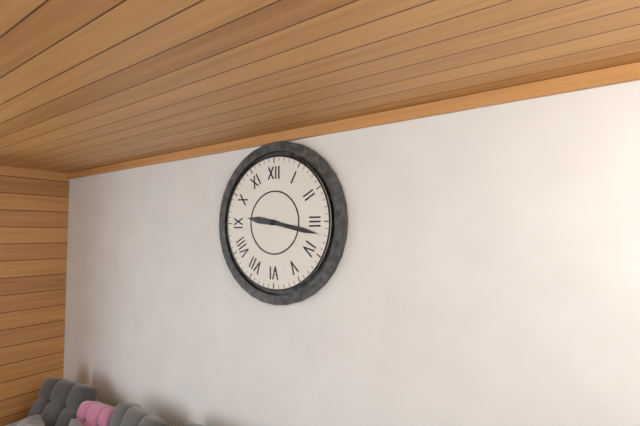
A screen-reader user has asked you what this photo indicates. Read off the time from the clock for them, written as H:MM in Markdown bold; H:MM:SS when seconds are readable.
**9:17**
